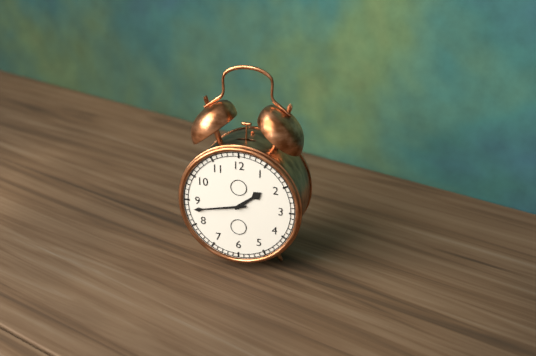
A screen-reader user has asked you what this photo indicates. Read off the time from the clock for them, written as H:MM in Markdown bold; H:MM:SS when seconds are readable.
**1:43**
